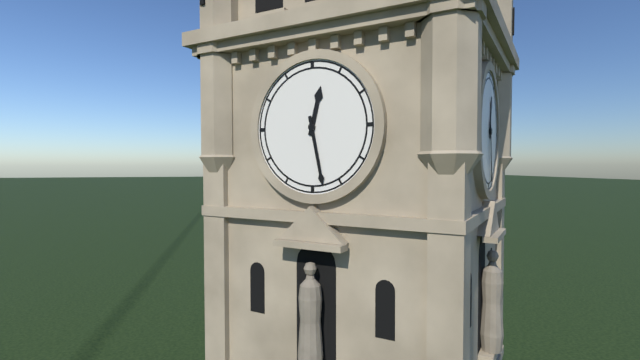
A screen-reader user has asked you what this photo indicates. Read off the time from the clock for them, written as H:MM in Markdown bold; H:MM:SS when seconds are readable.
**12:28**
